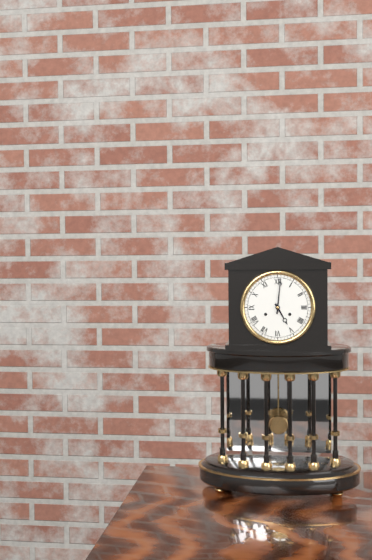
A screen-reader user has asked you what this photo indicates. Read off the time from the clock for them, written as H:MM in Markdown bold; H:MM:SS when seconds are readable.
**5:01**
